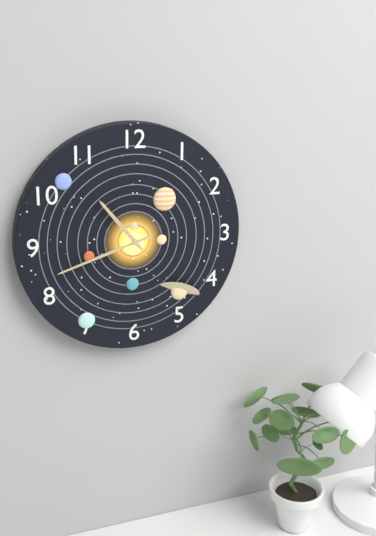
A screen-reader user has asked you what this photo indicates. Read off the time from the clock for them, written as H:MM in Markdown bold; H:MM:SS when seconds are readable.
**10:42**
